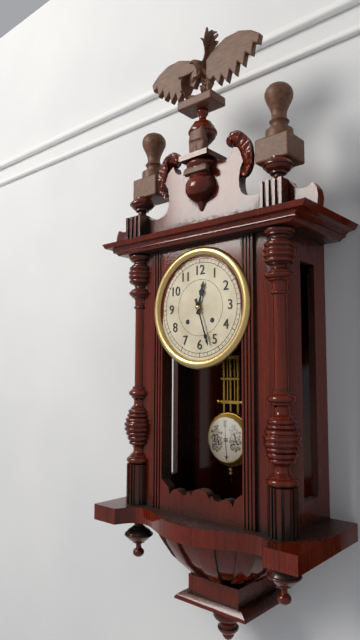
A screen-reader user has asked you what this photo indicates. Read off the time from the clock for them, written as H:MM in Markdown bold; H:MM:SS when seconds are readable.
**12:27**
